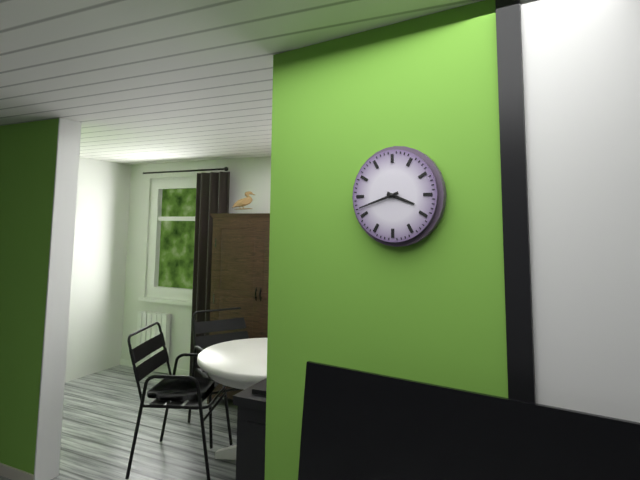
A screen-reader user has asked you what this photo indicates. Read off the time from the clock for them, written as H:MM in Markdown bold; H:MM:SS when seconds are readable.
**3:42**
